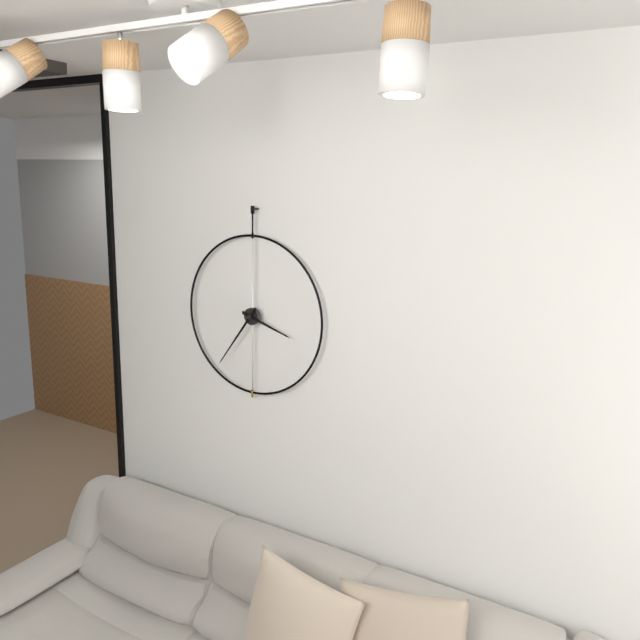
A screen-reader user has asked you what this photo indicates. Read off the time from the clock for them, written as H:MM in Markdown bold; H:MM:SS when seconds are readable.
**3:36**
